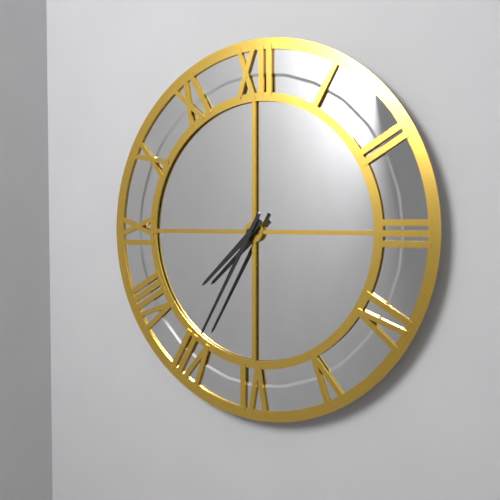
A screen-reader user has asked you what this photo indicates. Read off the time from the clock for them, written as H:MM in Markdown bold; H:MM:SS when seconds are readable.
**7:35**
